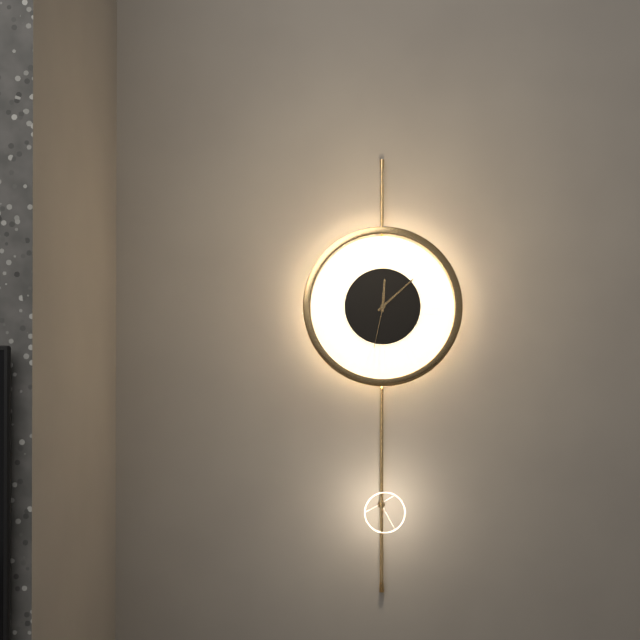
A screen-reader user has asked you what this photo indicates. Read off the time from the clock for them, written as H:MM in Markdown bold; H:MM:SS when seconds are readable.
**12:08:32**
